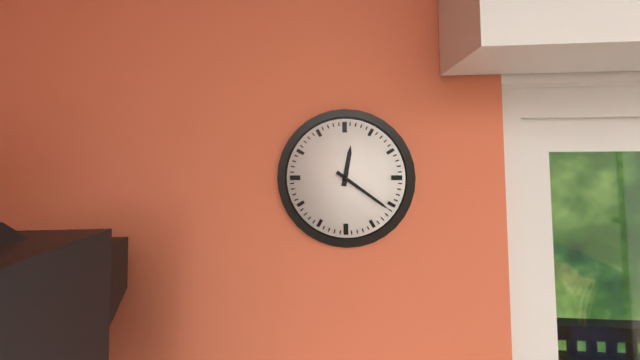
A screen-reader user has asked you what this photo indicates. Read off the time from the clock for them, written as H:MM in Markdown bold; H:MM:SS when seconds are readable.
**12:21**
